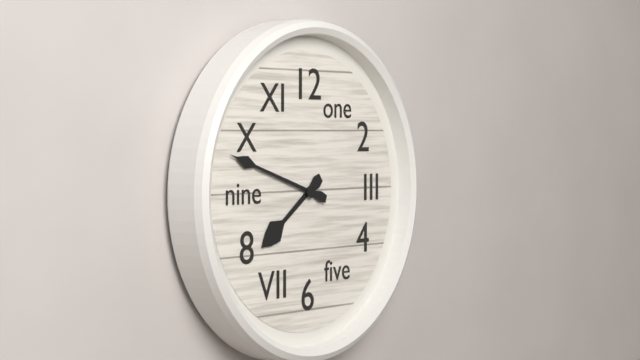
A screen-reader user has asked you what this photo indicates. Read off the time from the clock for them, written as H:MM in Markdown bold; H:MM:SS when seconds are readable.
**7:48**
